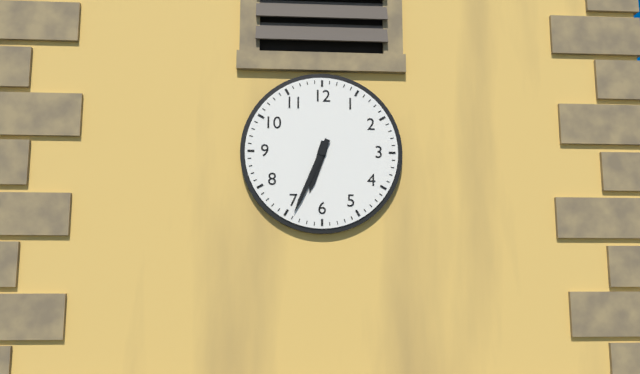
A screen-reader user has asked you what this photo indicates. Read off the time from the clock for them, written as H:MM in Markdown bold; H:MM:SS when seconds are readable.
**6:34**
